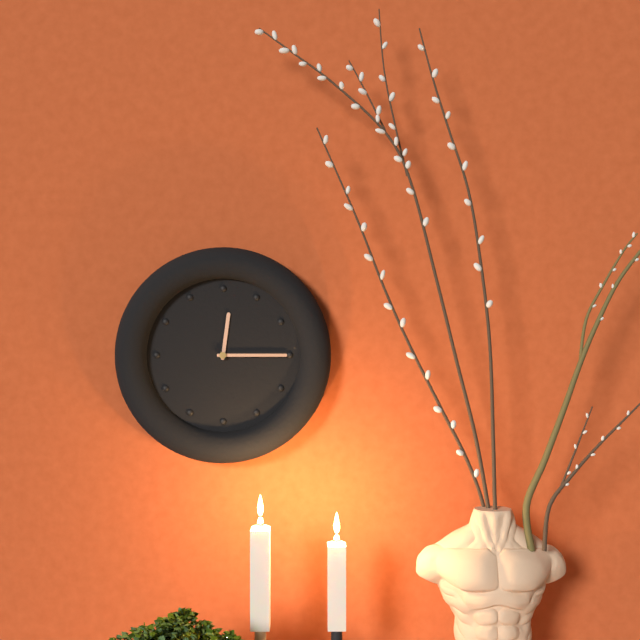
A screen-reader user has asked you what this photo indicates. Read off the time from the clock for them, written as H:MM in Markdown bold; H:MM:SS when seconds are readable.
**12:15**
